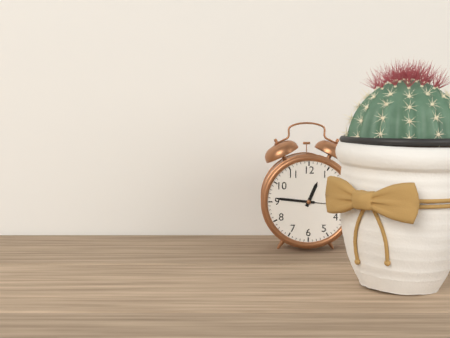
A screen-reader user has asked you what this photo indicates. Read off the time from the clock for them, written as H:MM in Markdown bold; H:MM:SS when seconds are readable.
**12:46**
